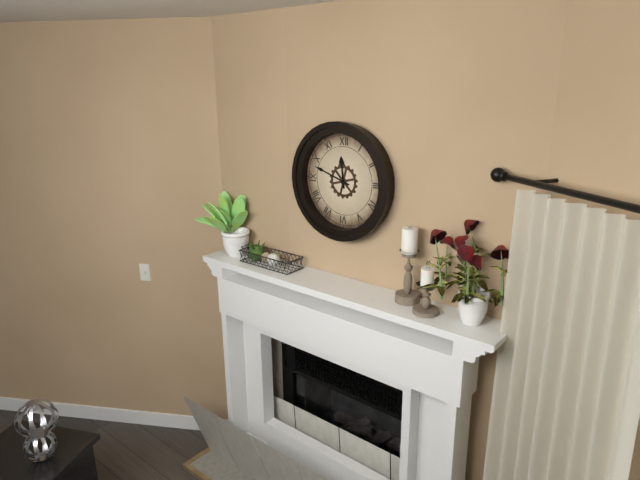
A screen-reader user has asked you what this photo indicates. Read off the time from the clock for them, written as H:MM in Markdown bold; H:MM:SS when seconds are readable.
**11:48**
